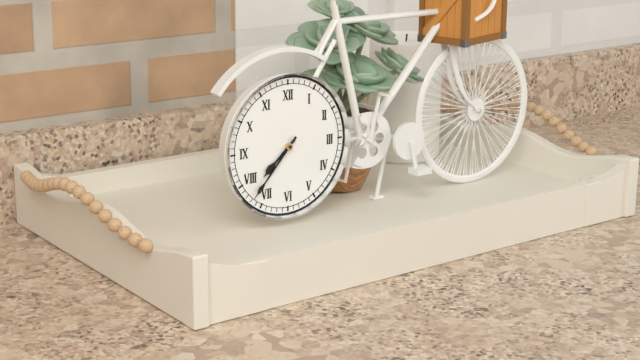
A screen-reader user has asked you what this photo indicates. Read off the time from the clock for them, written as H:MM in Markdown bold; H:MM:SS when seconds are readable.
**7:37**
